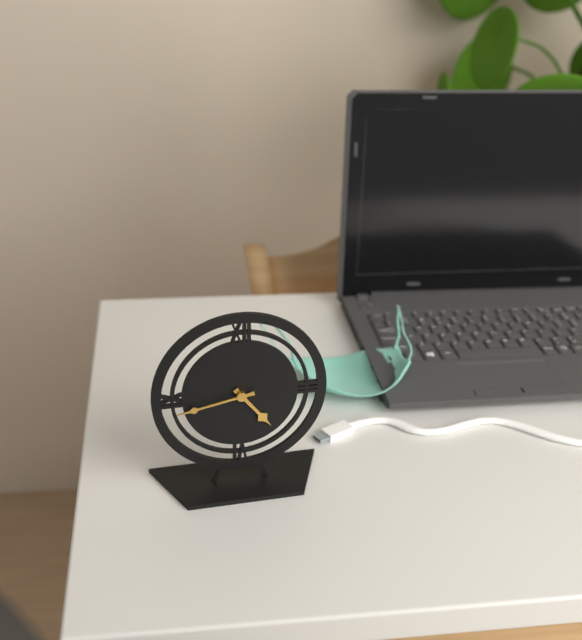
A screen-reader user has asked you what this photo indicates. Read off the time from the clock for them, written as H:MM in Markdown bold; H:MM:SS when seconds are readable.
**4:43**
